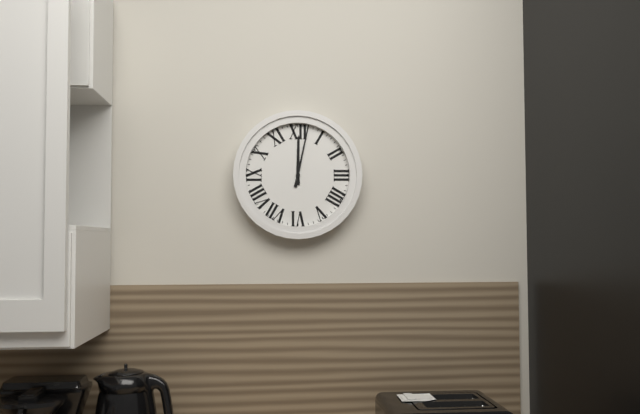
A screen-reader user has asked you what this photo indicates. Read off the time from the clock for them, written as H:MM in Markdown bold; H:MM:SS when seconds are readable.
**12:02**
